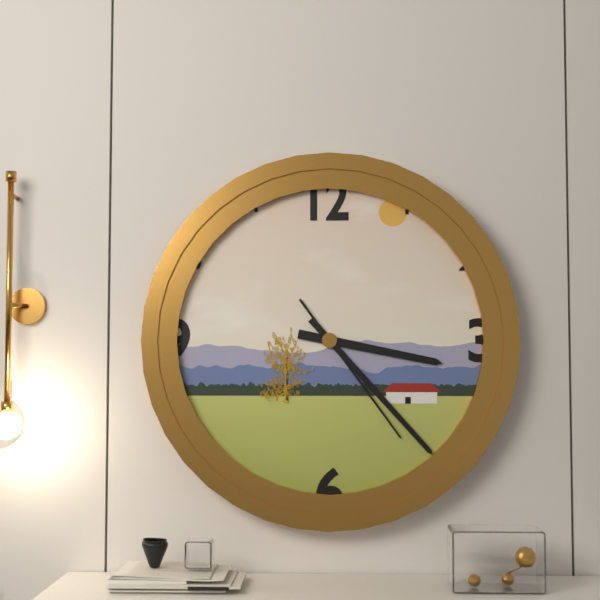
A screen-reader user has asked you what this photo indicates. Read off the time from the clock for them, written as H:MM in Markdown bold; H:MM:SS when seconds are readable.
**3:23:24**
